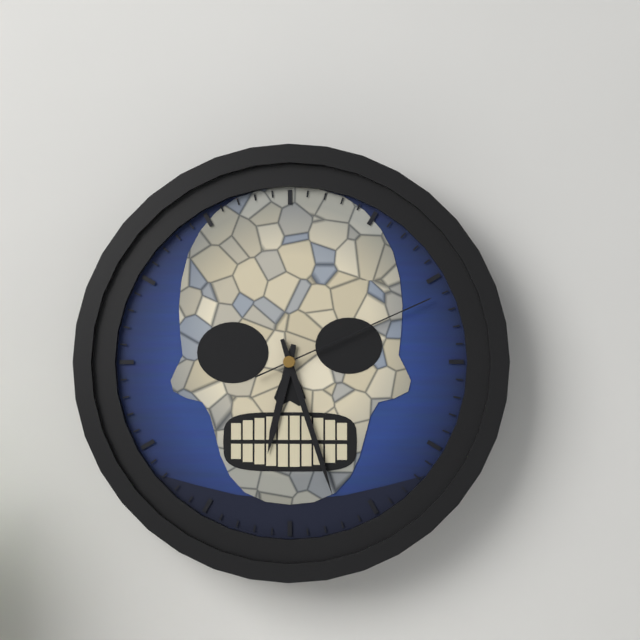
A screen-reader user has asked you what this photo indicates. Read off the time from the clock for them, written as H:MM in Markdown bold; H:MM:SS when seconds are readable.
**6:27:11**
